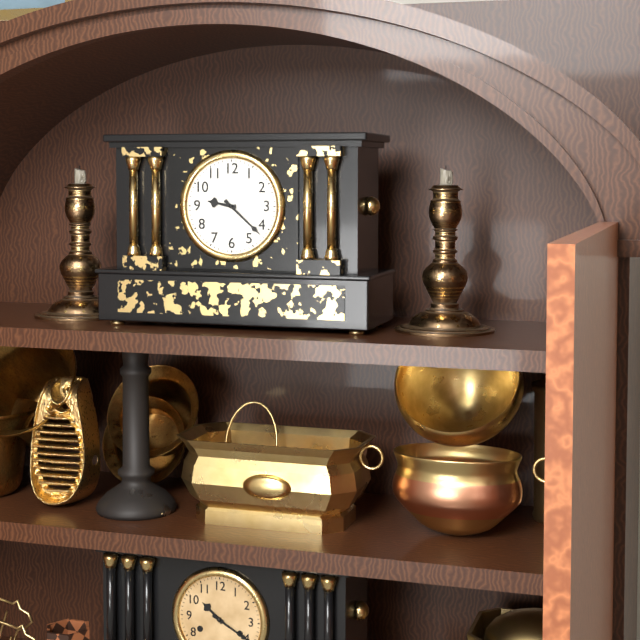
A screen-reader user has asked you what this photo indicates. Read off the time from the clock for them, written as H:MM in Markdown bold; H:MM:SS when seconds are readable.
**9:22**
